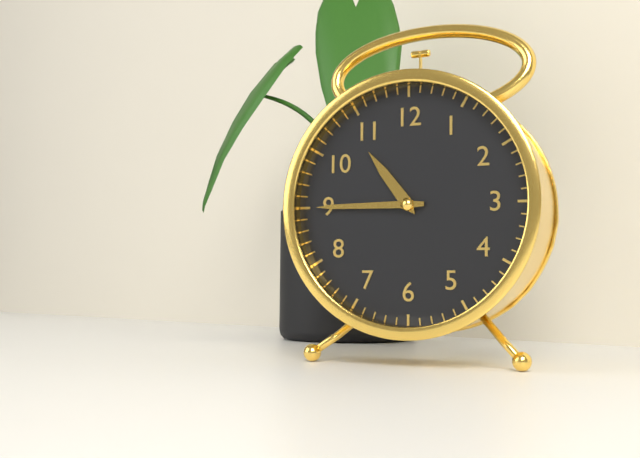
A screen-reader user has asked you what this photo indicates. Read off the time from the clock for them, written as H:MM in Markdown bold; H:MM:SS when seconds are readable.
**10:45**
